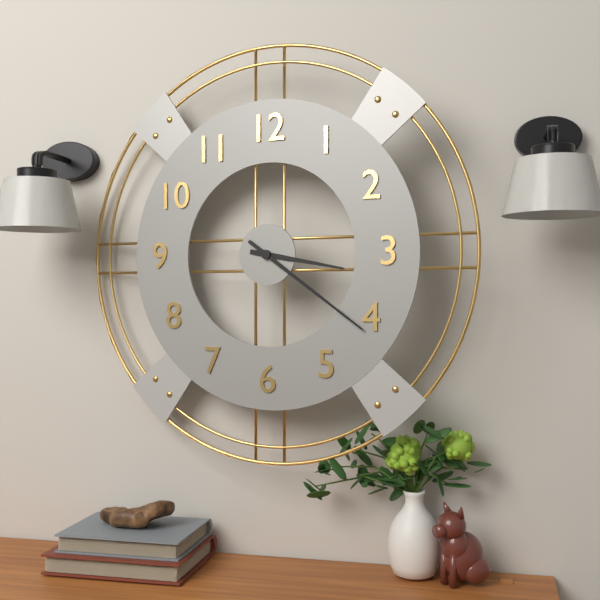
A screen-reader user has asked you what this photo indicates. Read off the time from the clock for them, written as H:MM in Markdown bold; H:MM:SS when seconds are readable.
**3:21**
